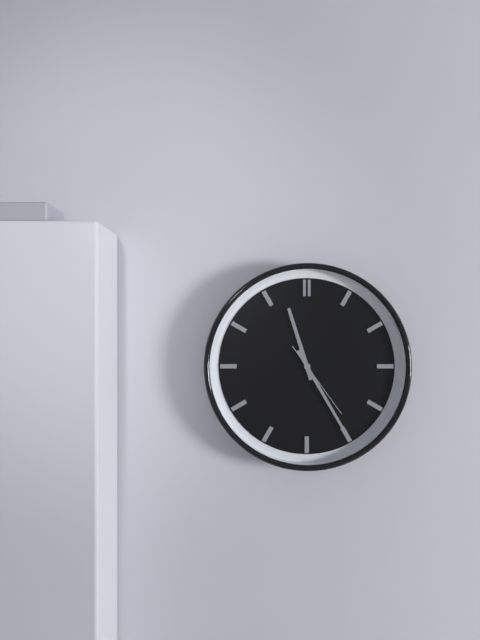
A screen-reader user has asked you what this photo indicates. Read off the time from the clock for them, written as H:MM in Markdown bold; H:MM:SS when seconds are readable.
**11:25:24**
